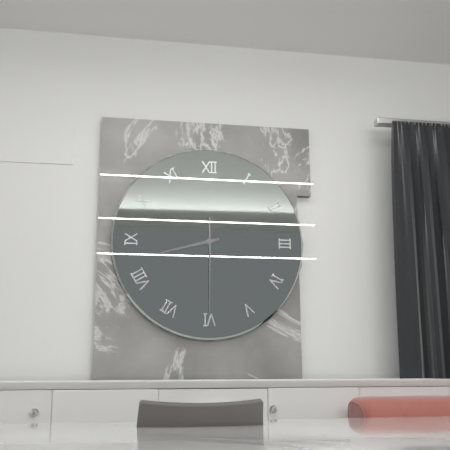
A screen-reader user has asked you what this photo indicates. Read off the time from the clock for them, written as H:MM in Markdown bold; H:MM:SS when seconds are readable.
**8:30**
